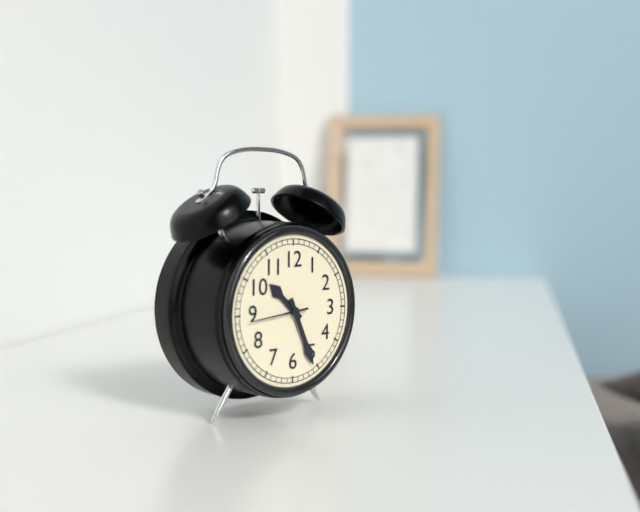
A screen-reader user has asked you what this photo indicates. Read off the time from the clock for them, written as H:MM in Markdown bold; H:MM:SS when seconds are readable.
**10:26**
